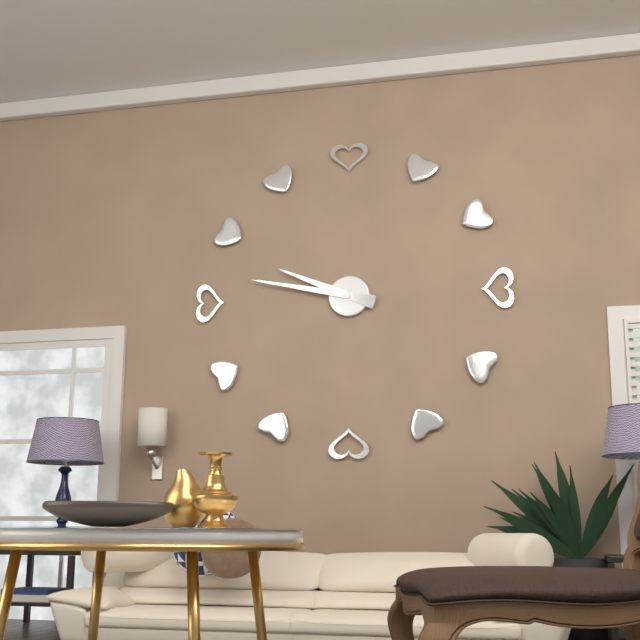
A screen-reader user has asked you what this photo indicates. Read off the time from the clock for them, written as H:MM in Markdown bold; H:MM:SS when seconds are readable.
**9:47**
